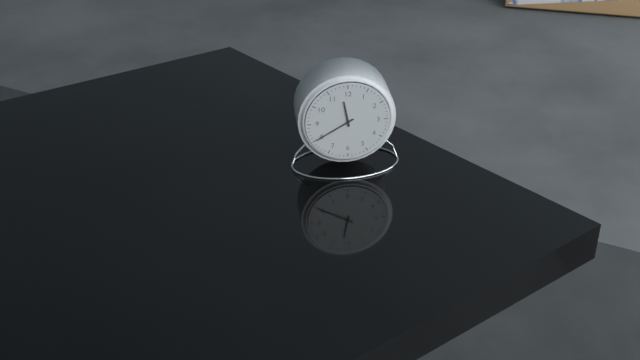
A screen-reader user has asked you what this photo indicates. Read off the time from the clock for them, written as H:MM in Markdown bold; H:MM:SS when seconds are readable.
**11:40**
